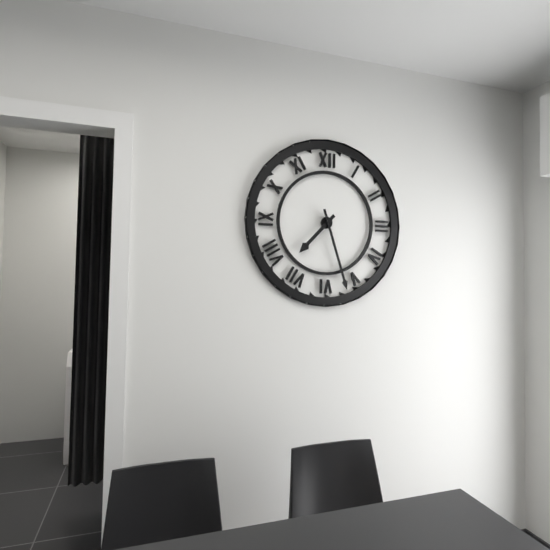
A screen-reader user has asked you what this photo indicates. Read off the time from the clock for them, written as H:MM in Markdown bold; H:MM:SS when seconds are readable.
**7:27**
